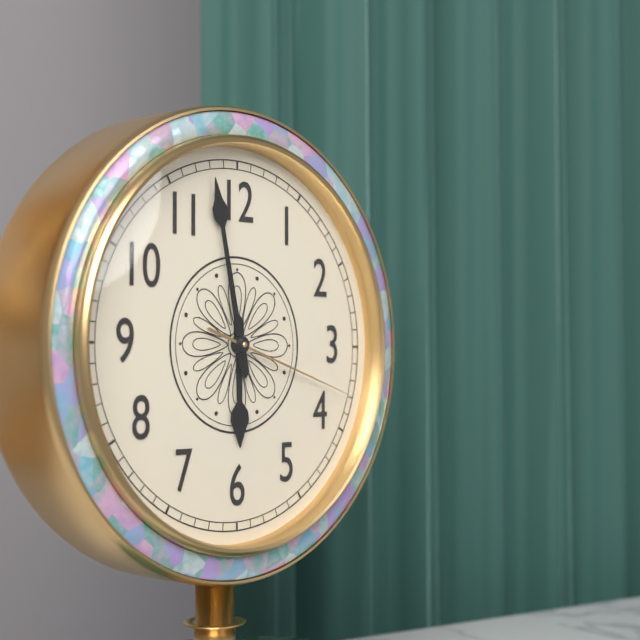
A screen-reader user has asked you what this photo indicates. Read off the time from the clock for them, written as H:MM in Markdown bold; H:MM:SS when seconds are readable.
**5:58:18**
